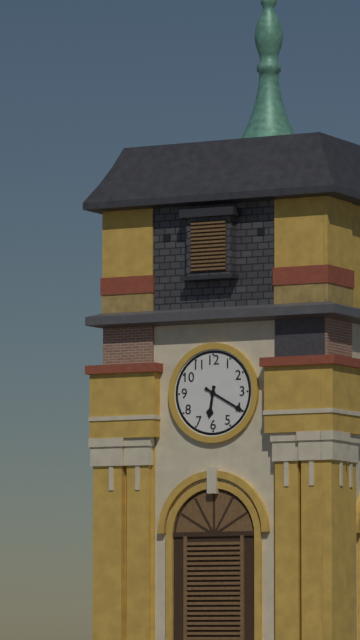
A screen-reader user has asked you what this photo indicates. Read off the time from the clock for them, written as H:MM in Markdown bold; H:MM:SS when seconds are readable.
**6:20**
